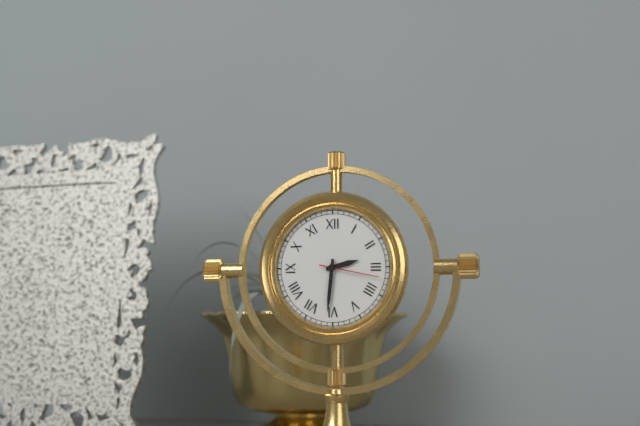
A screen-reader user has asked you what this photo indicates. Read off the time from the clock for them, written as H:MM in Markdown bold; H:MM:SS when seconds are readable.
**2:31:17**
